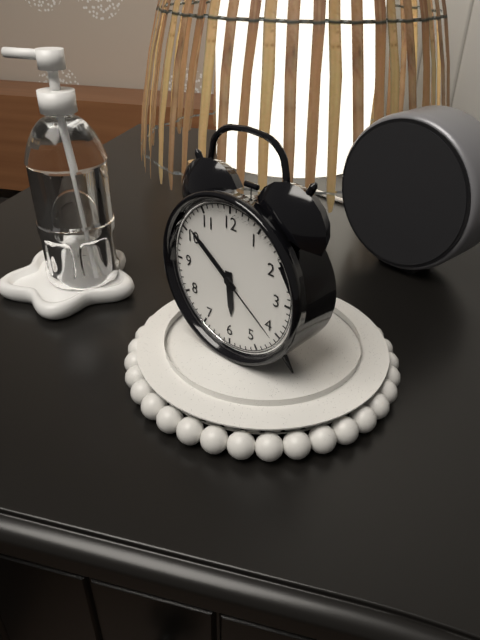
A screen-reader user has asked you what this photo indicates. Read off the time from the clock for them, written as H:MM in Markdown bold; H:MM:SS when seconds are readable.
**5:51:21**
